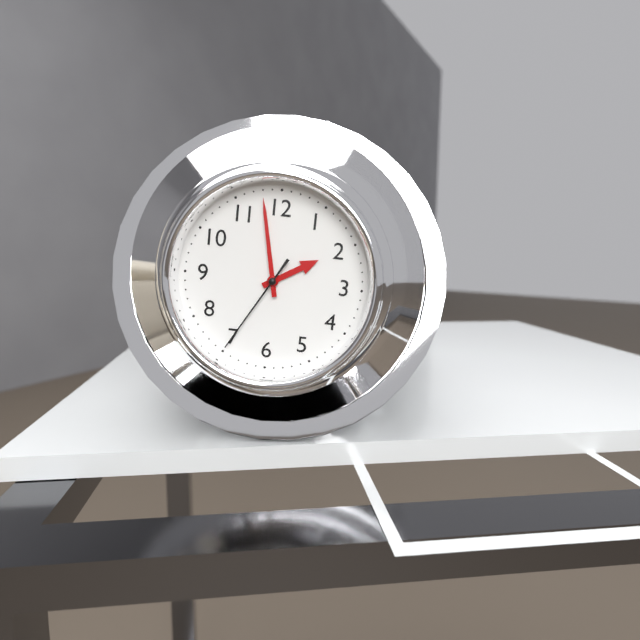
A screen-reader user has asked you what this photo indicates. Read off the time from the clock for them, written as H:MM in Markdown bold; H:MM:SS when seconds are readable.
**1:58:35**
